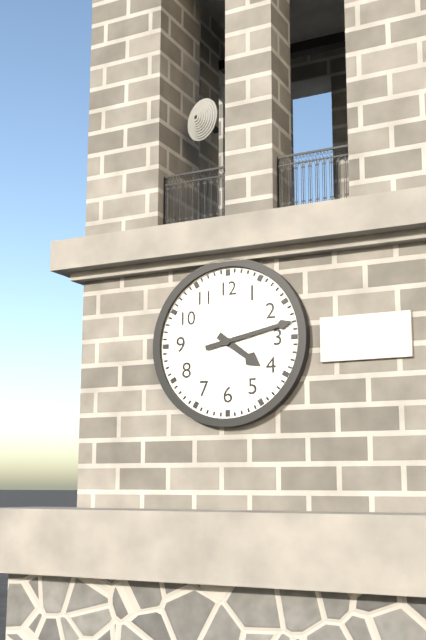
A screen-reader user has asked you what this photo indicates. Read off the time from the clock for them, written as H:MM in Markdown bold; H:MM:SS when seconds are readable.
**4:13**
